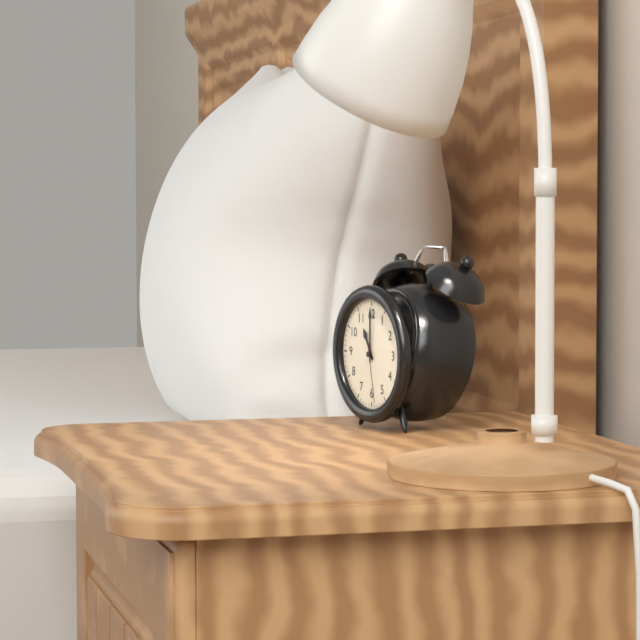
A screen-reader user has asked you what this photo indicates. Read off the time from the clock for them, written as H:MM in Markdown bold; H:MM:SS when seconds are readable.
**11:00:28**
